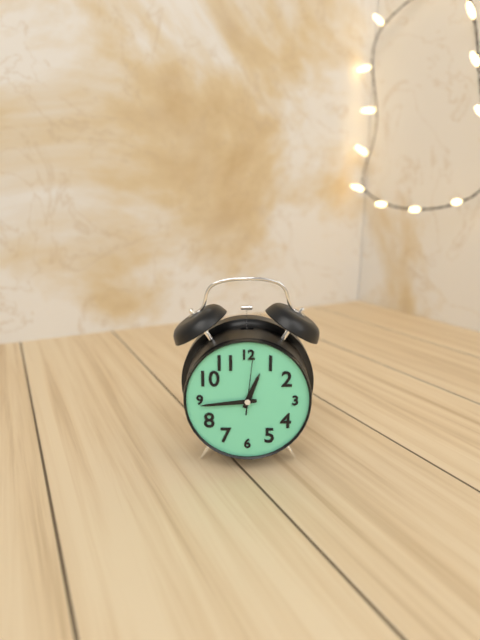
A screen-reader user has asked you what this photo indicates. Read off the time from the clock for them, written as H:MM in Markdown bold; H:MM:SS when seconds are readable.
**12:44:01**
